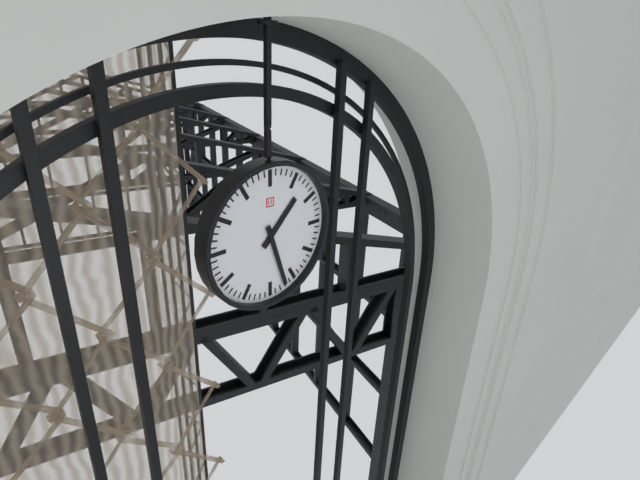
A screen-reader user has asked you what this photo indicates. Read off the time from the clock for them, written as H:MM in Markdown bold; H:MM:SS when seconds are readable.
**1:27**
